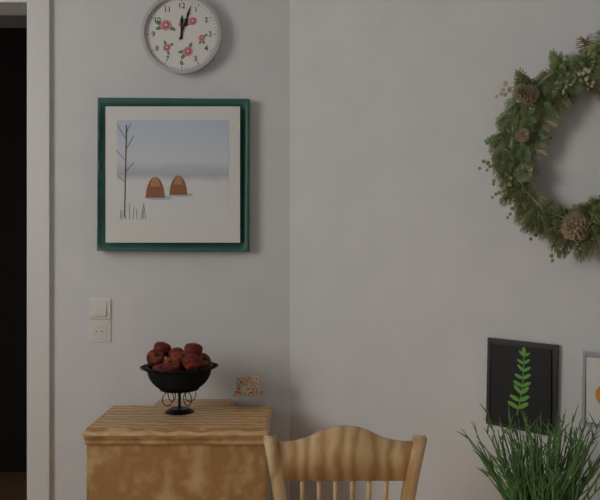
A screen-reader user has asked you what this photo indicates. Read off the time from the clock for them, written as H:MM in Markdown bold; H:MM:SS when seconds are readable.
**12:03**
